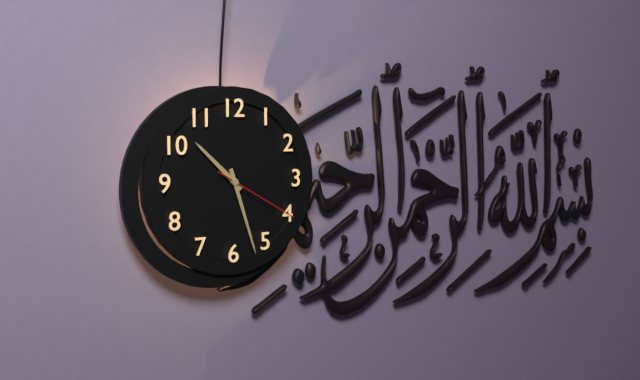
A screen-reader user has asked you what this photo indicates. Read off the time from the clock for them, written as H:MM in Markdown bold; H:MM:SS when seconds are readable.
**10:27:20**
